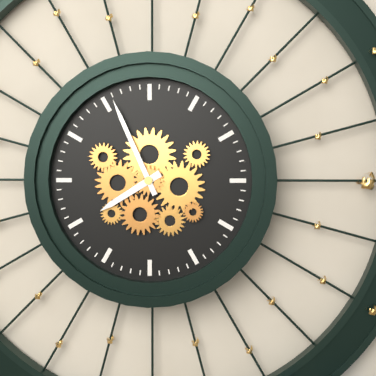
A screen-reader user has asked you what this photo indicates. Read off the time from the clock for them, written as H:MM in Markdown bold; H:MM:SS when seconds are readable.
**7:56**
